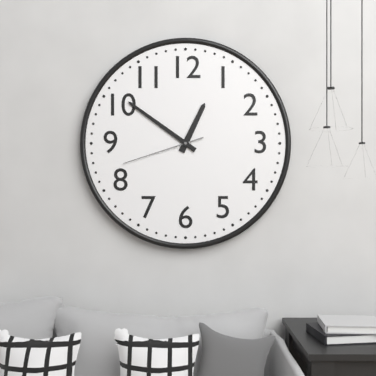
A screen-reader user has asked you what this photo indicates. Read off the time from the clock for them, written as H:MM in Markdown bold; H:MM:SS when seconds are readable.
**12:51:42**
